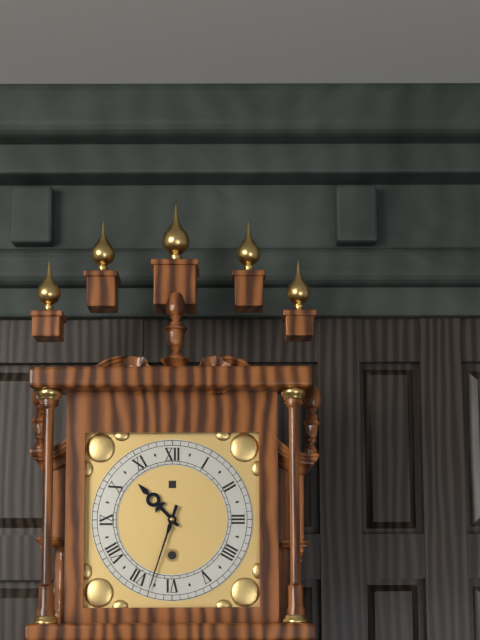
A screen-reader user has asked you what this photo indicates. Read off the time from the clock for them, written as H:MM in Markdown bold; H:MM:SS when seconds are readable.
**10:33**
